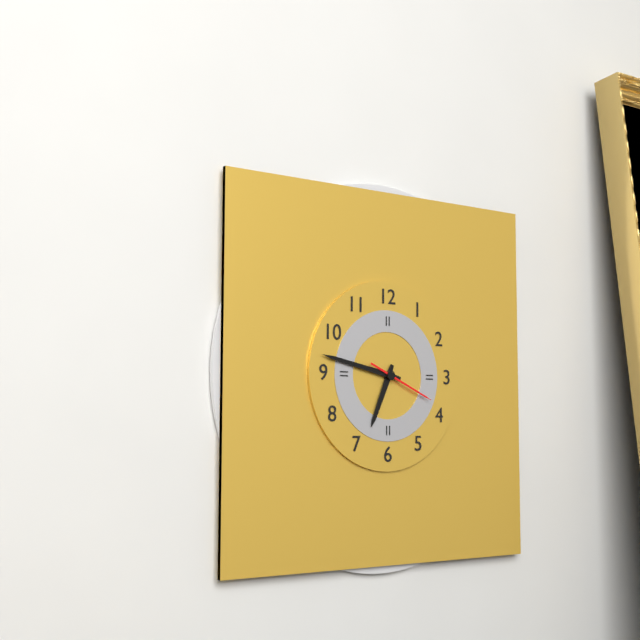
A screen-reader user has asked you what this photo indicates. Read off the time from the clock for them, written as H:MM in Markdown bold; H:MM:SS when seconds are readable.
**6:47:19**
